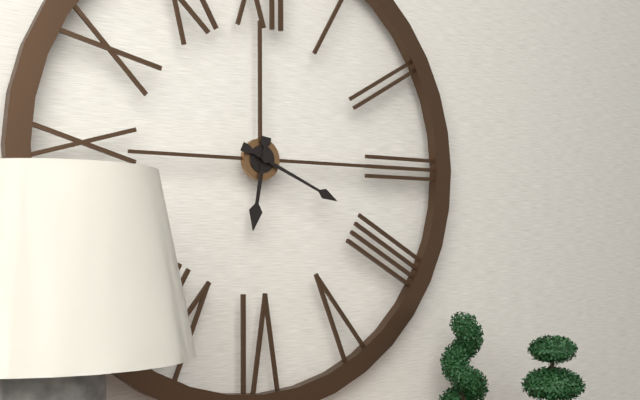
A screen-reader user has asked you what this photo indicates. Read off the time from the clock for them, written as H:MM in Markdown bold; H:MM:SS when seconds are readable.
**6:19**
